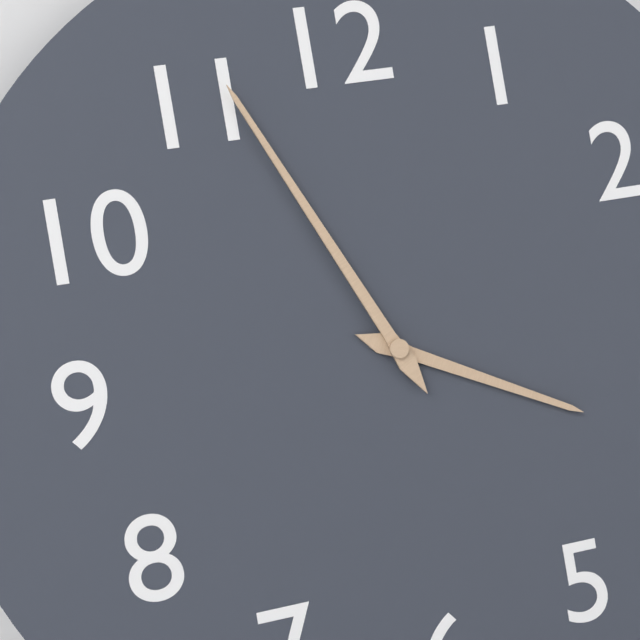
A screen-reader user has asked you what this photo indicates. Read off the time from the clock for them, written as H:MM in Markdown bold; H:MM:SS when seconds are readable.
**3:56**
